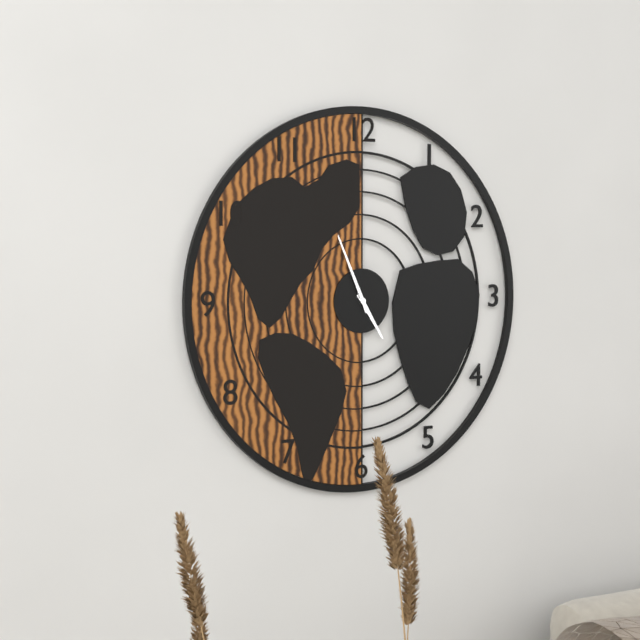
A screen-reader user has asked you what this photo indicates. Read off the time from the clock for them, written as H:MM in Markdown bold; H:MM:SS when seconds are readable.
**4:56**
